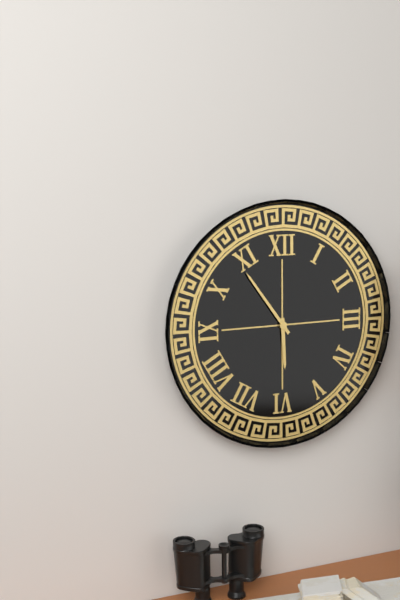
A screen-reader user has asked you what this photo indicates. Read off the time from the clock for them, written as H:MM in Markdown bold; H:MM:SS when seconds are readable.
**5:54**
